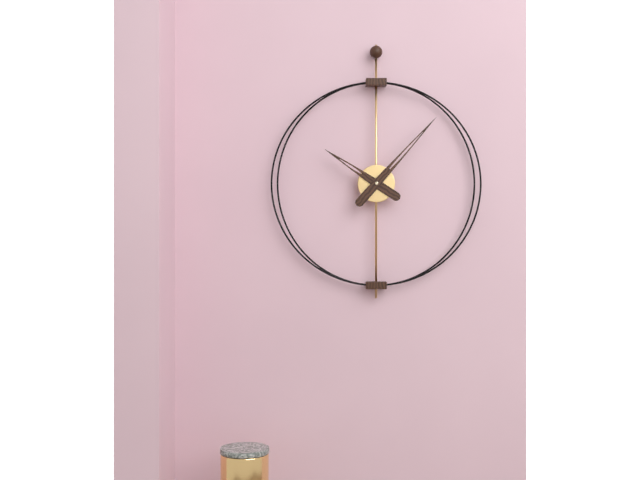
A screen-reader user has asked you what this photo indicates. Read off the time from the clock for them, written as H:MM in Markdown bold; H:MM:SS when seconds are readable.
**10:07**
